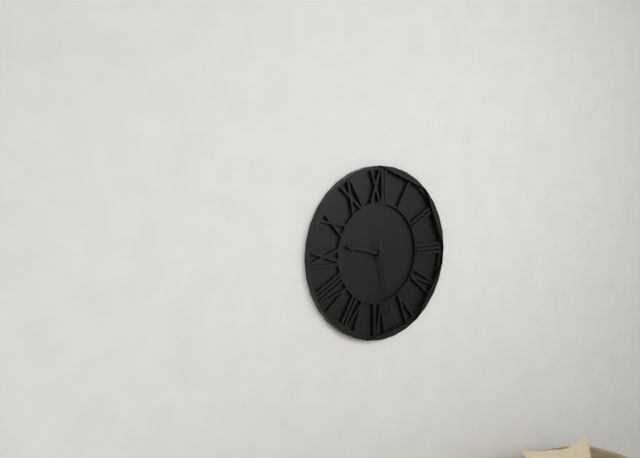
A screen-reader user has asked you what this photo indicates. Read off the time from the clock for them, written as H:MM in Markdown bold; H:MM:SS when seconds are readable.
**9:28**
